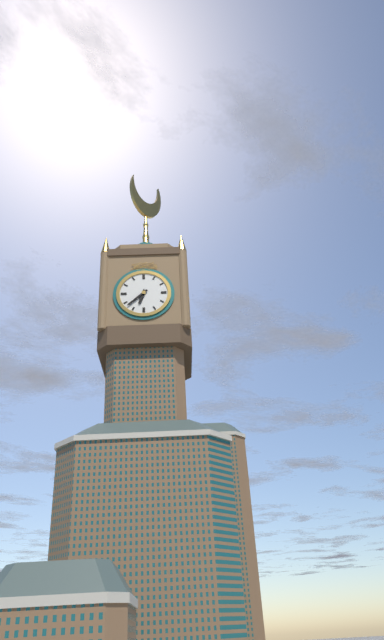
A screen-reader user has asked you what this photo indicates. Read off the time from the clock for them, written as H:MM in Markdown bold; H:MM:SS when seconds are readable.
**6:38**
